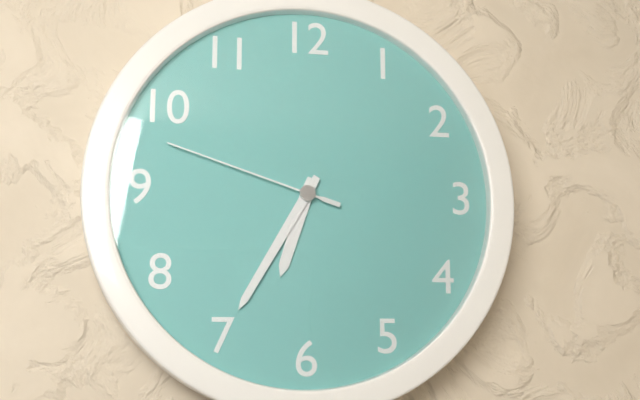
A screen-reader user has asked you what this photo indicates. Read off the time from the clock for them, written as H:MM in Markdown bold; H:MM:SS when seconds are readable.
**6:35:48**
